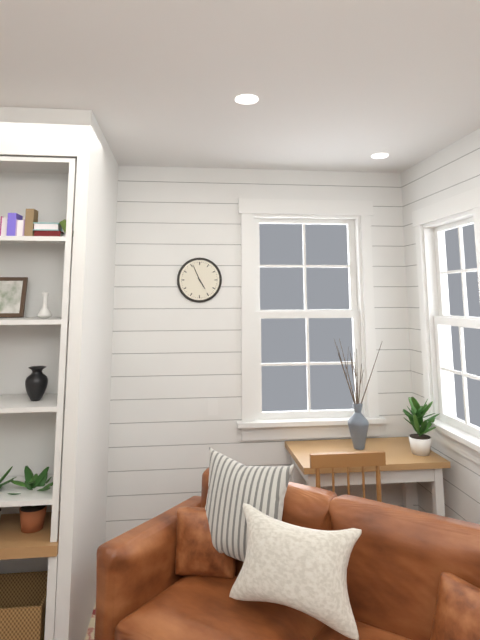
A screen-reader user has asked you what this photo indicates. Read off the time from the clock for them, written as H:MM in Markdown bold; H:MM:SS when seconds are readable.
**4:56**
